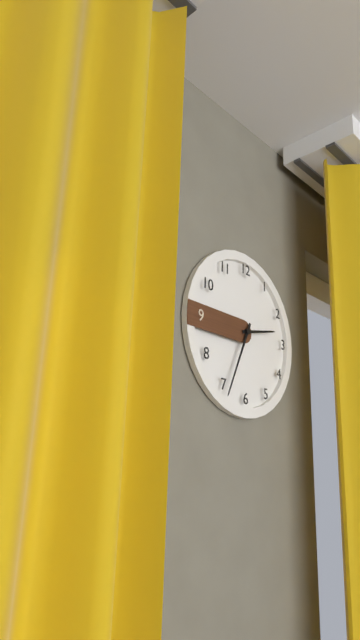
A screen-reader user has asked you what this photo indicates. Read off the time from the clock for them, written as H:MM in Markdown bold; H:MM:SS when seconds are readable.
**2:34**
